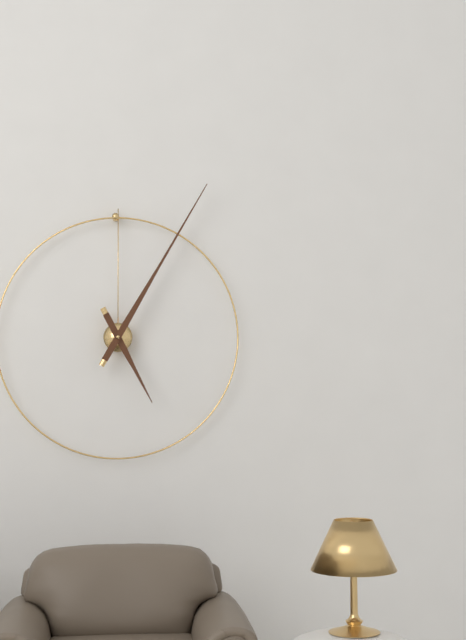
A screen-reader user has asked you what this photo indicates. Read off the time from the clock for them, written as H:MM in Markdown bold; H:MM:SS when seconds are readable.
**5:05**
